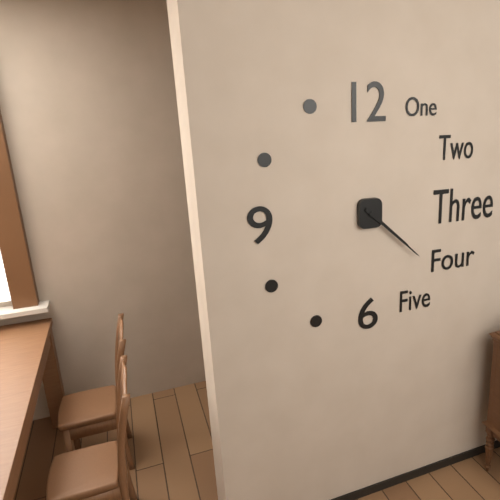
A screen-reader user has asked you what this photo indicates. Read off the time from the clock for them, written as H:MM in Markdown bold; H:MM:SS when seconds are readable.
**4:22**
